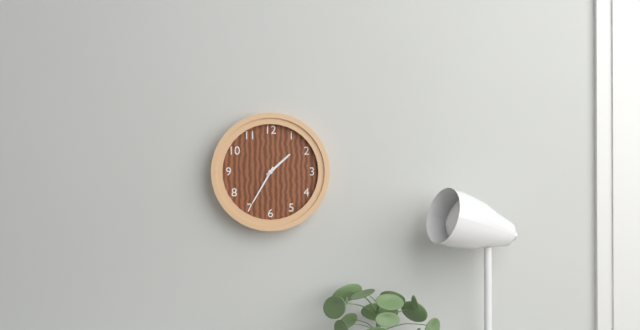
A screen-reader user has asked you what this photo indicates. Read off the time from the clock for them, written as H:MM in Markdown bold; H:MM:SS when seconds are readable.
**1:35**
